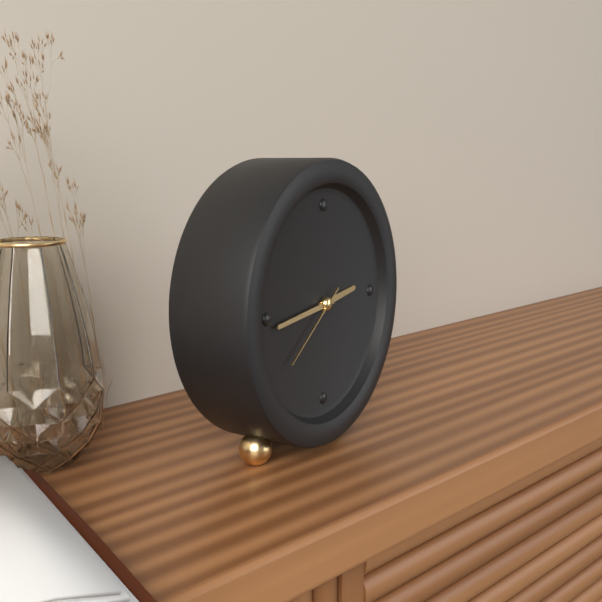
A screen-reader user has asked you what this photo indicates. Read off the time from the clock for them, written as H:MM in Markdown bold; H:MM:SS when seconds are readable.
**2:44:39**
